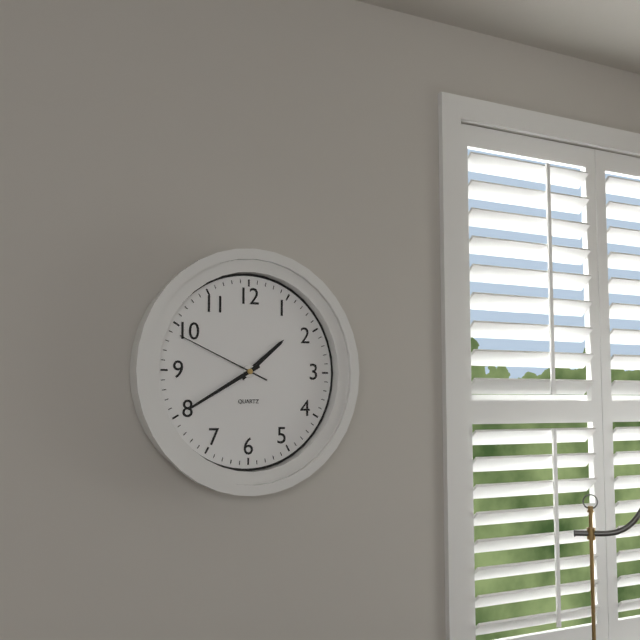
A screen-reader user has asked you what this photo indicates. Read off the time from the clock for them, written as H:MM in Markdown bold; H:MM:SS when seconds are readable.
**1:40:49**
